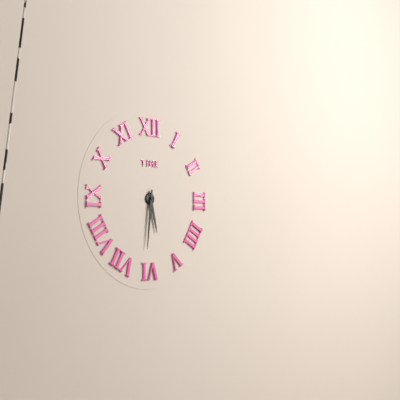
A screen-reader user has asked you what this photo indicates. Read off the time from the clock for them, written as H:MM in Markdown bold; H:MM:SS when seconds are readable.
**5:31**
